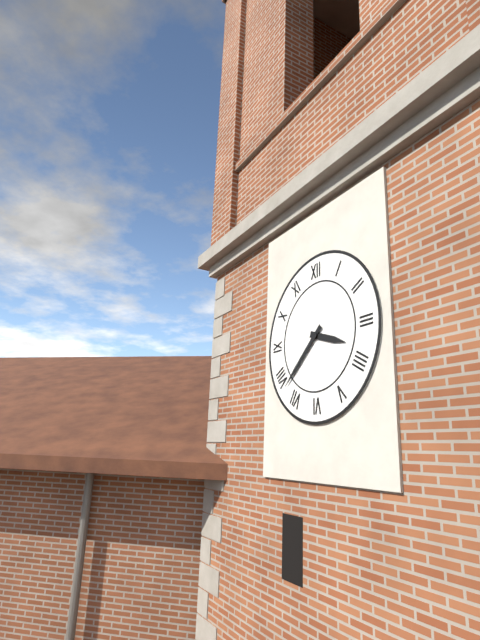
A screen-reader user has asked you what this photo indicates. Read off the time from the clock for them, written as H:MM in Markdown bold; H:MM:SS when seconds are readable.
**3:38**
